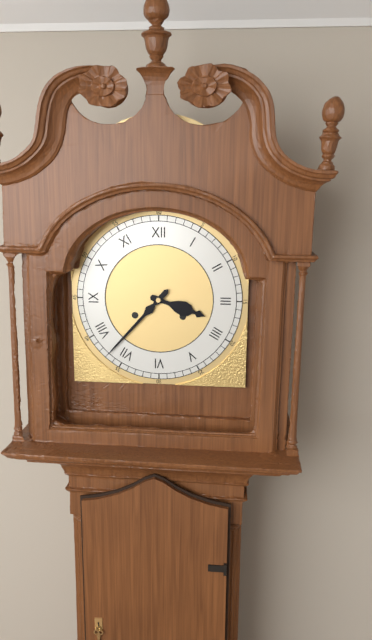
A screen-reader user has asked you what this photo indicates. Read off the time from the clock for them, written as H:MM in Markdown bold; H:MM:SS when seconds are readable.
**3:37**
